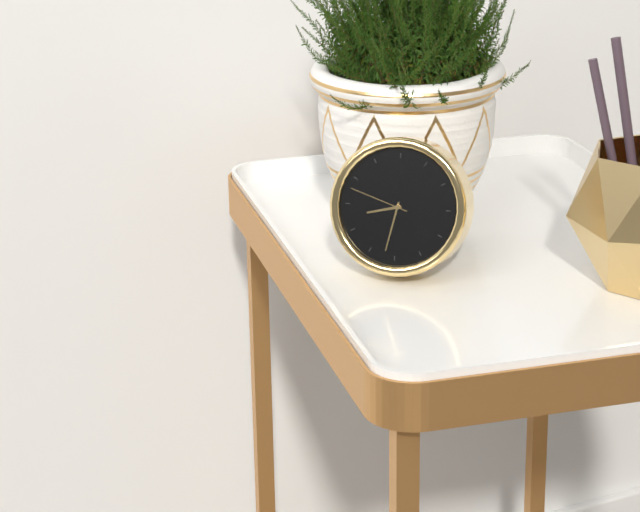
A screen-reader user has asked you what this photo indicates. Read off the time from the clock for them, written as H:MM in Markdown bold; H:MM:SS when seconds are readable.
**8:32:48**
